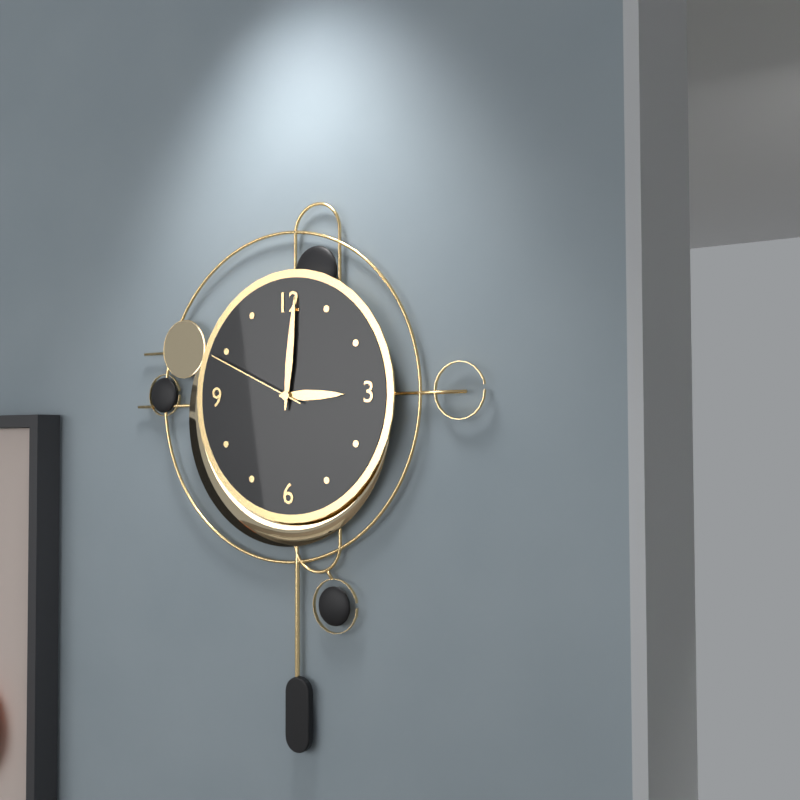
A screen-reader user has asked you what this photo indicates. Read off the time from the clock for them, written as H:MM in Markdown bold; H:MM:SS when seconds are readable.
**3:01:49**
